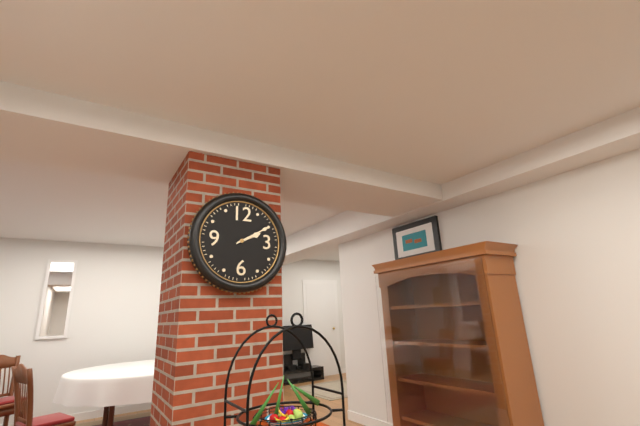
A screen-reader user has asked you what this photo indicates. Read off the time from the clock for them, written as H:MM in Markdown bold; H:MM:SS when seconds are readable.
**2:10**
